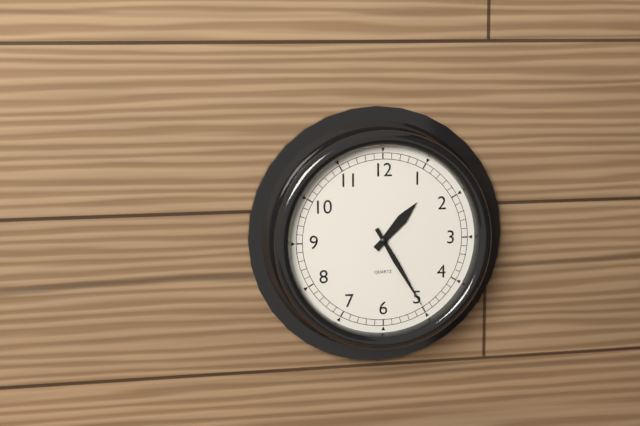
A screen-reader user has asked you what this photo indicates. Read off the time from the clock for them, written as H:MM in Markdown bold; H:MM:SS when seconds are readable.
**1:25**
